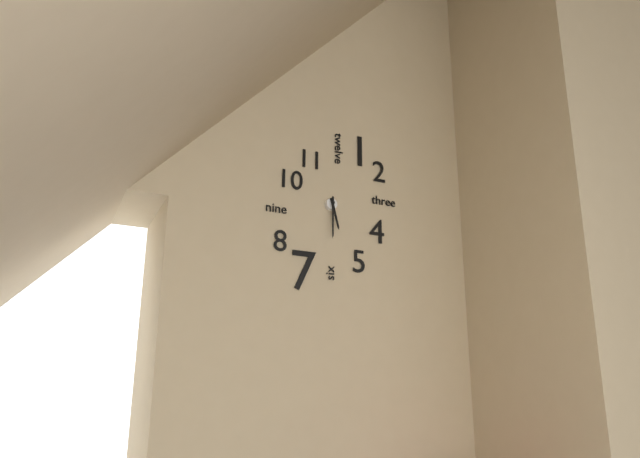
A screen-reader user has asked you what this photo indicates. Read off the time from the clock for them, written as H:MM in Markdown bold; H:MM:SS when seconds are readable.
**5:30**
